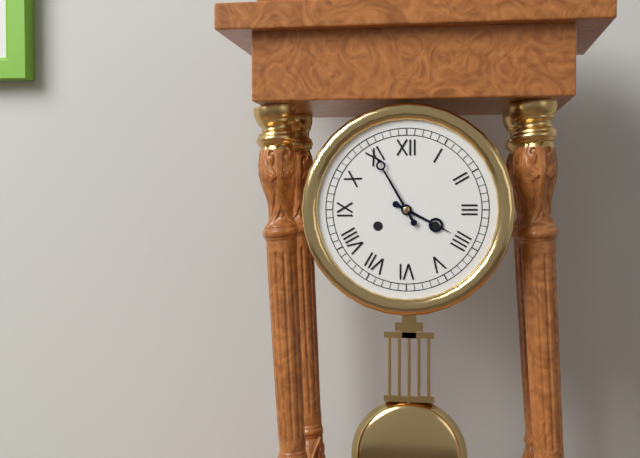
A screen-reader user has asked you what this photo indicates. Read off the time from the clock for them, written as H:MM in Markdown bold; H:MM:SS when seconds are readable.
**3:55**
